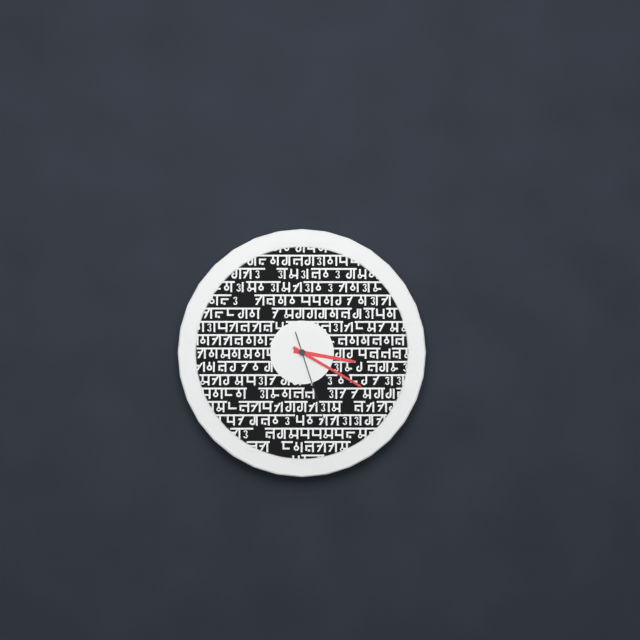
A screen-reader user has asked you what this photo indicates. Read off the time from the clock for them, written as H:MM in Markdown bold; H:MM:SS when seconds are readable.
**3:20:27**
